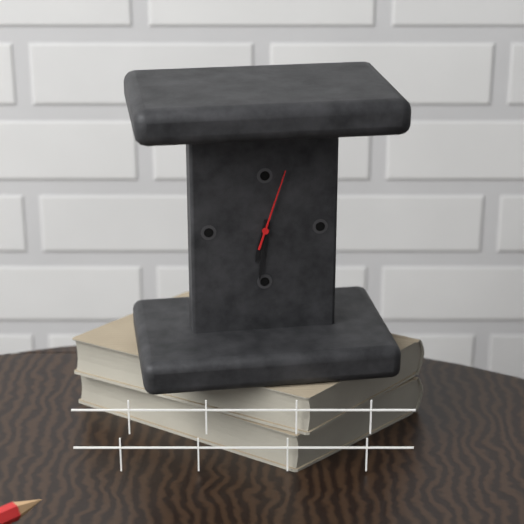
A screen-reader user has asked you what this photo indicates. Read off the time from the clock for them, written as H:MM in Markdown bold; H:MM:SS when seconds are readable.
**6:31:03**
